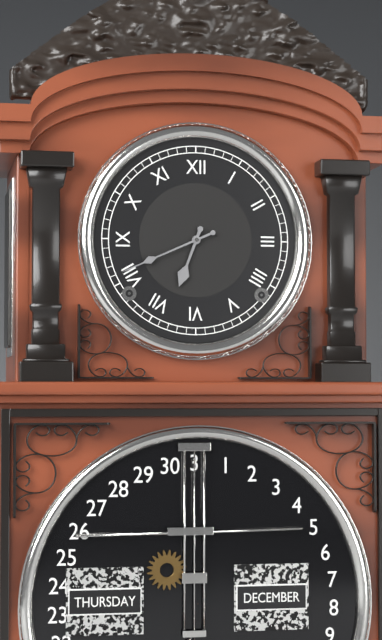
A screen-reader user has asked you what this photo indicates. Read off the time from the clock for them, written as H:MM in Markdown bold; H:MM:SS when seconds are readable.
**6:41**
